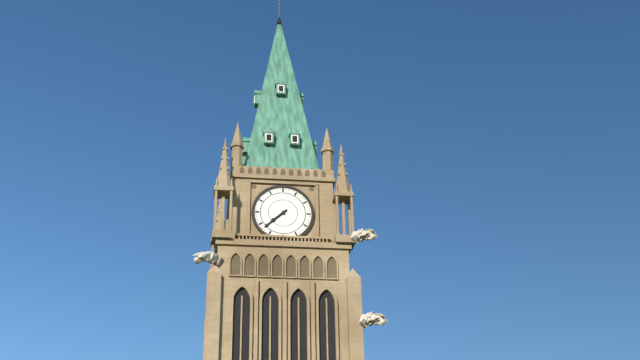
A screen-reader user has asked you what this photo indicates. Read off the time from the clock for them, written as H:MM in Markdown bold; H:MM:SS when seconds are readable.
**7:38**
